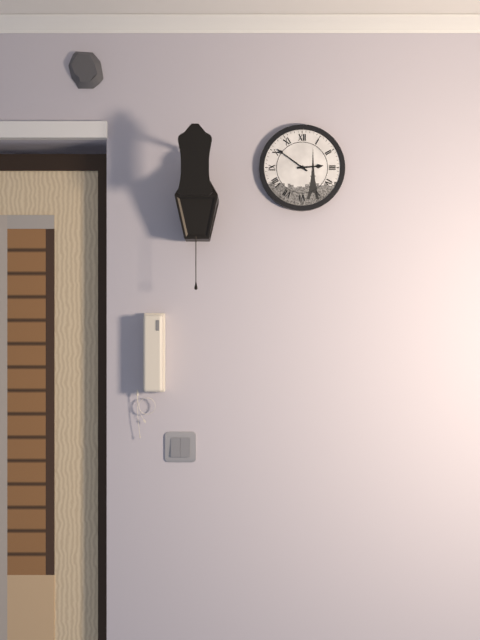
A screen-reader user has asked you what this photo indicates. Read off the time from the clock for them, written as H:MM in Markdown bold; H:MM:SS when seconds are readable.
**2:51**
